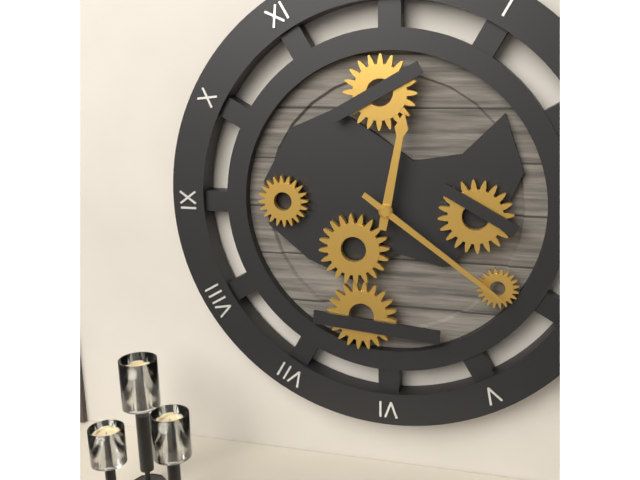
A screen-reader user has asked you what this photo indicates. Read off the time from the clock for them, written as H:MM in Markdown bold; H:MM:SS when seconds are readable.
**12:21**
